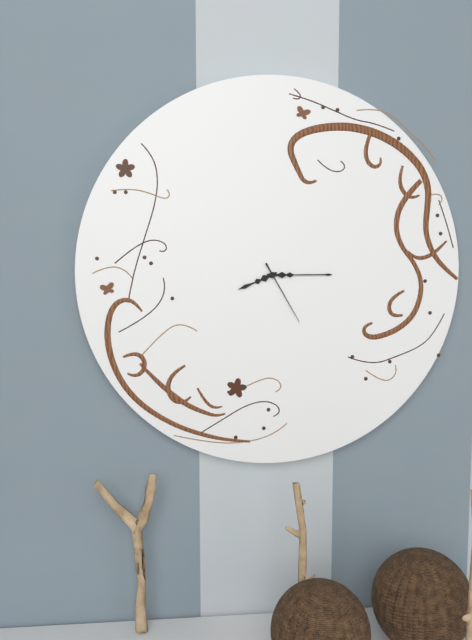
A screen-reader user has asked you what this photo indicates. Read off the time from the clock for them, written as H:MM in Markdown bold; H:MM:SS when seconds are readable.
**8:15:25**
